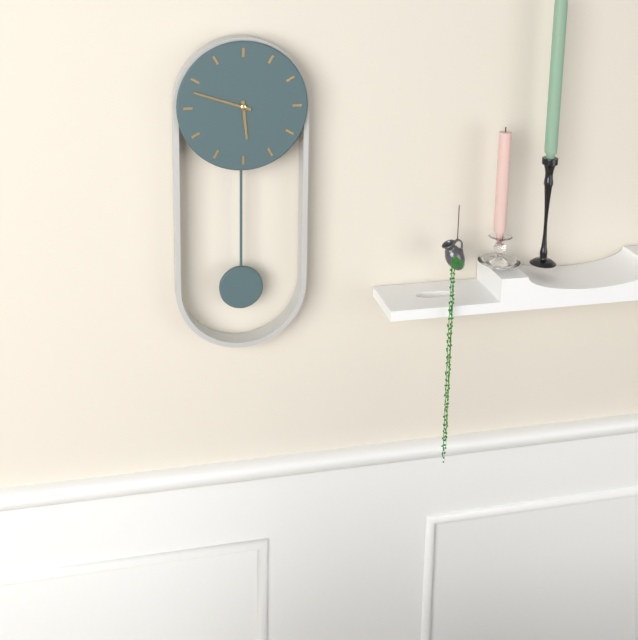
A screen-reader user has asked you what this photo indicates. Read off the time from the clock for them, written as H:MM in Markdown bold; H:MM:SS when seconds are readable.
**5:48**
